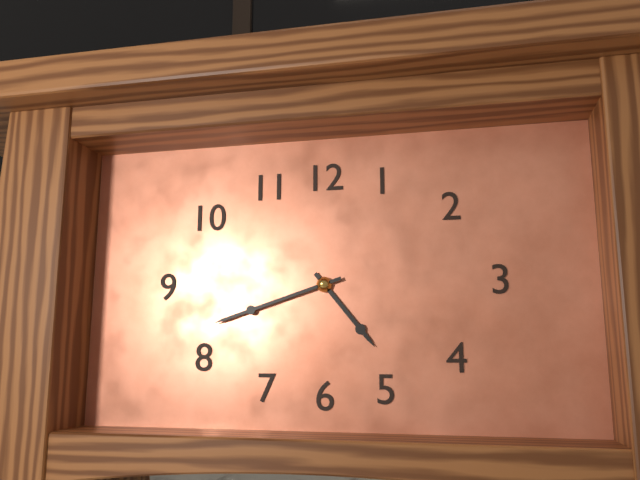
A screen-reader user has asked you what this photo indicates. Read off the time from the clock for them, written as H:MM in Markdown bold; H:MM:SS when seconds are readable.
**4:42**
